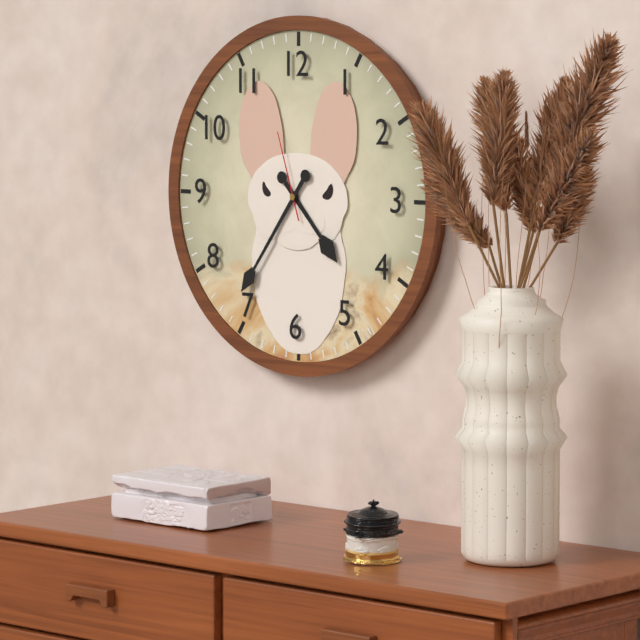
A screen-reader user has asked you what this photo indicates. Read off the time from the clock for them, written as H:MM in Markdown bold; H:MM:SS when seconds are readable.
**4:36:57**
